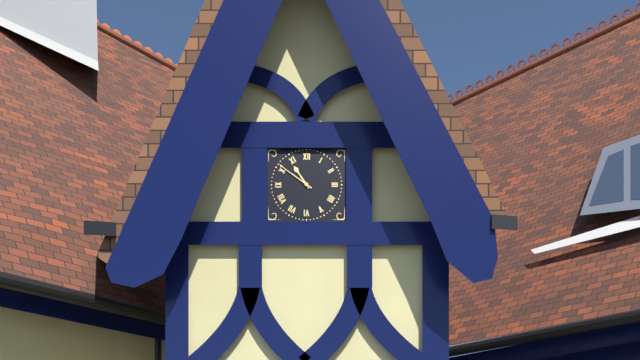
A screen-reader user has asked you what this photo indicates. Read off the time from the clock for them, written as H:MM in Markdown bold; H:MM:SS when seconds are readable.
**10:51**
